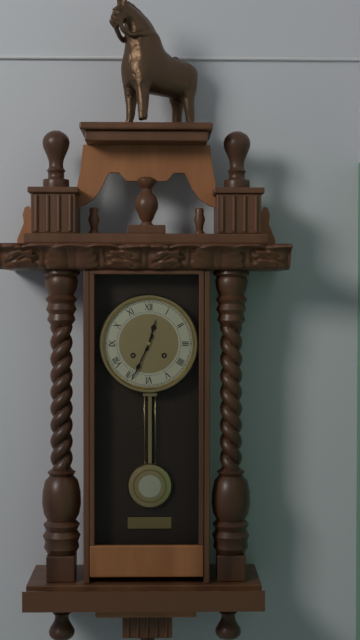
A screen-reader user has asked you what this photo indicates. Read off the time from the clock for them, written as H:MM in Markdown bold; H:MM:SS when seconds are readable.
**12:34**
